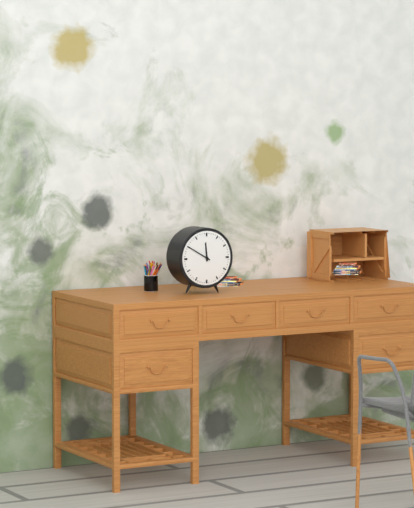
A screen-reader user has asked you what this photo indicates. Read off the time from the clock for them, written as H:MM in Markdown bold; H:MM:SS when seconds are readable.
**11:50**
